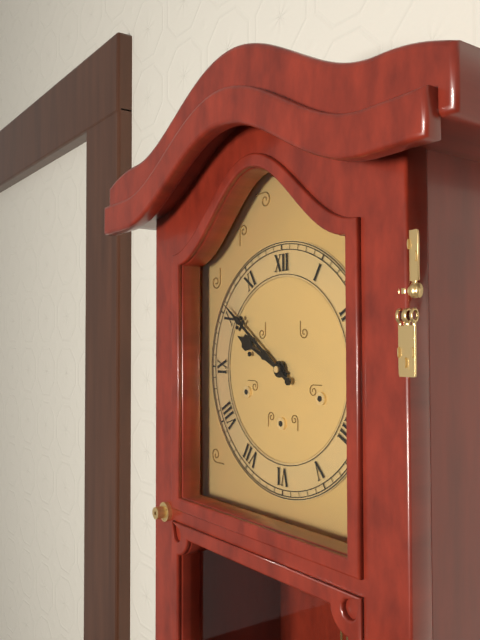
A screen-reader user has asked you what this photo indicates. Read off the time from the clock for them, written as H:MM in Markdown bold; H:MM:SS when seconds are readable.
**9:51**
